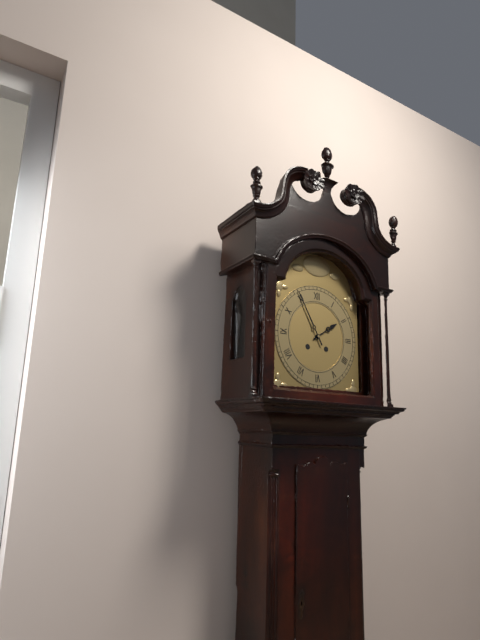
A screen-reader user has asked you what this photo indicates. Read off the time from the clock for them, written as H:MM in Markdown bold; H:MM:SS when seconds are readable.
**1:55**
